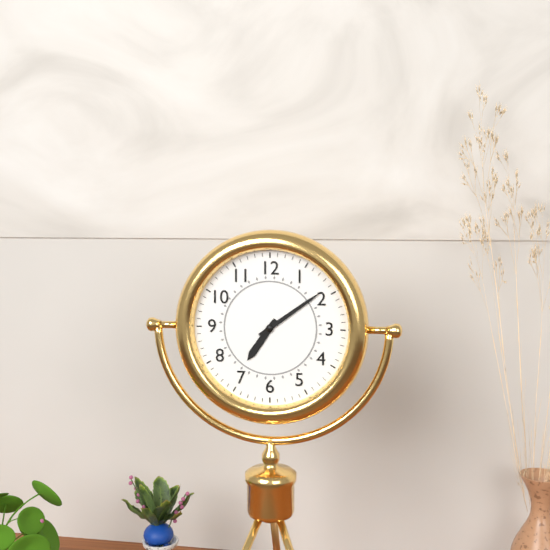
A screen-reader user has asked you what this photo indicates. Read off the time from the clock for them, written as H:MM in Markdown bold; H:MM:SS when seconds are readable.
**7:09**
